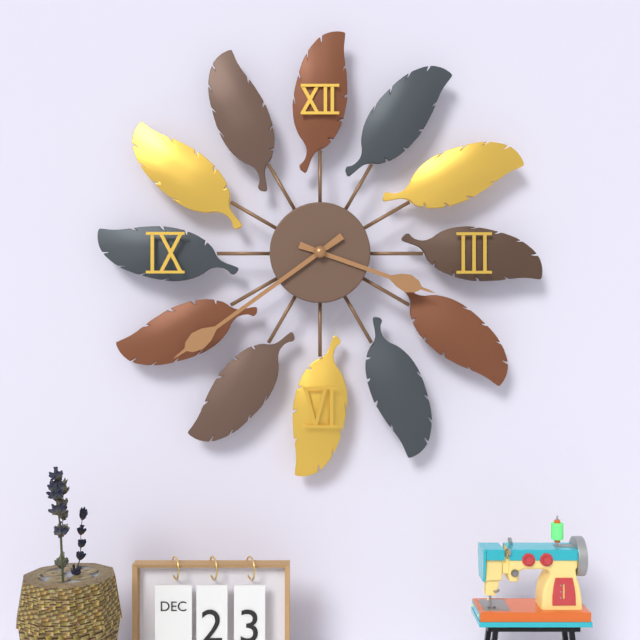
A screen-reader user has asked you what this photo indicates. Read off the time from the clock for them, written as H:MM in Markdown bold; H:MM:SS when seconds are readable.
**3:39**
